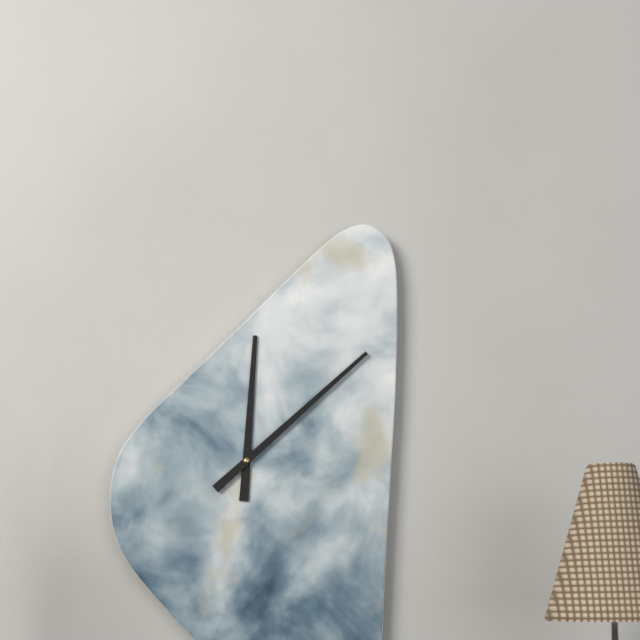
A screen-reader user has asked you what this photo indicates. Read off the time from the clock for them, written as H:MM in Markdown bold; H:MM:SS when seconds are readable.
**12:08**
